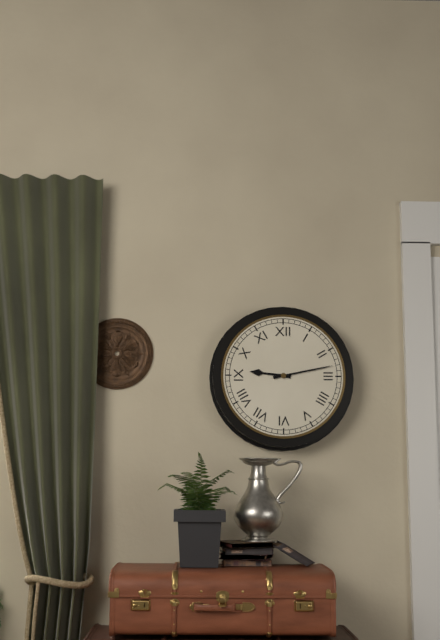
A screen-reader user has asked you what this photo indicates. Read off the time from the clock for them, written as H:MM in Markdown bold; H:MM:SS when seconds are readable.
**9:13**
